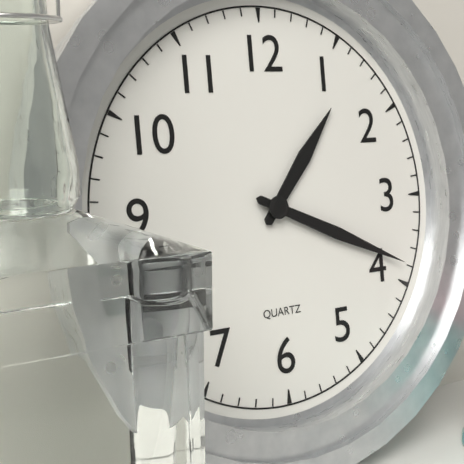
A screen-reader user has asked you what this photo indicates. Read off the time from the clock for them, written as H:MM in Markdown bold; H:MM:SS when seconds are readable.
**1:19**
